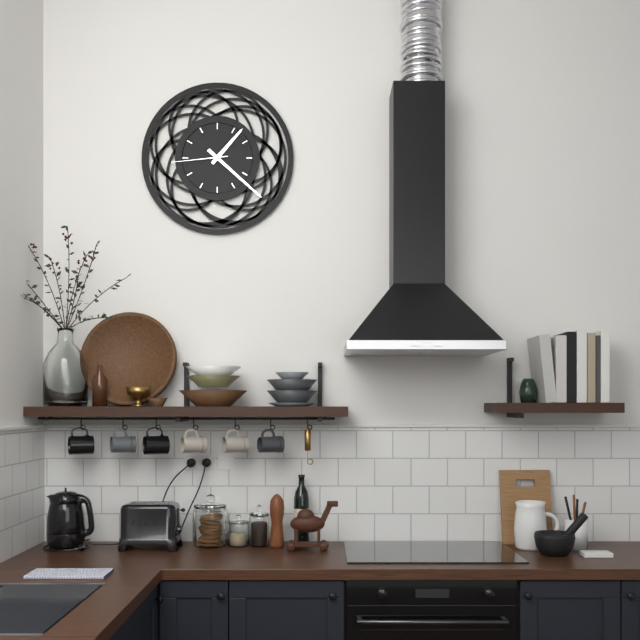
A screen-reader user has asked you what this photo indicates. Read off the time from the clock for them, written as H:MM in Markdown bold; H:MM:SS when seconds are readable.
**1:22:44**
